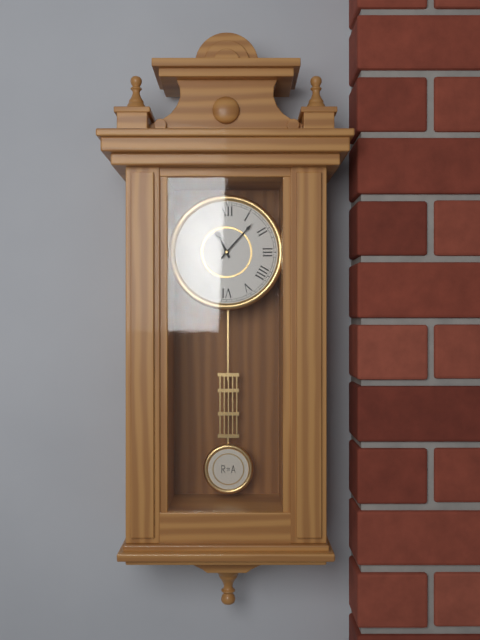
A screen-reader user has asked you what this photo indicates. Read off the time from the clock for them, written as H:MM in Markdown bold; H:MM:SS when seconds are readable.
**11:07**
